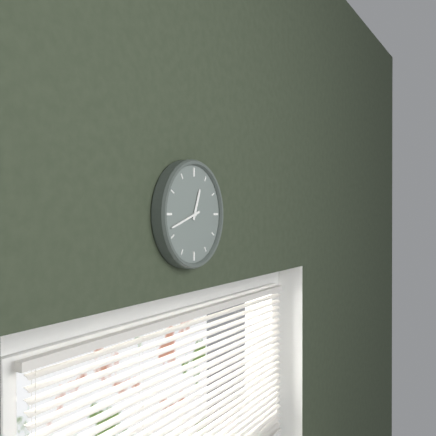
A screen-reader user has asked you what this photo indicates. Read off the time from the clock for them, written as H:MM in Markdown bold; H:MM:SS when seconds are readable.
**12:42**
